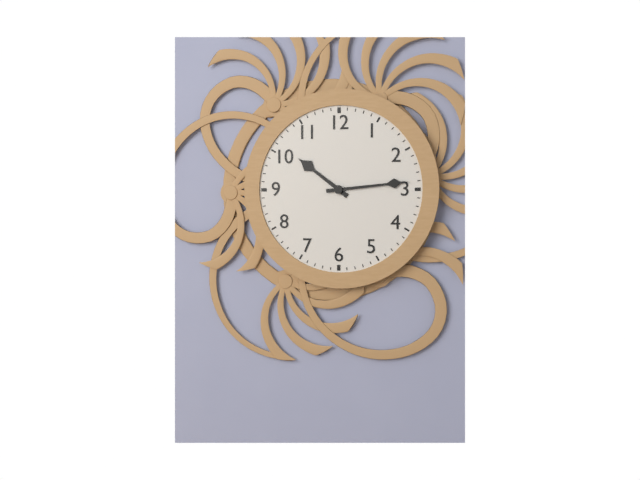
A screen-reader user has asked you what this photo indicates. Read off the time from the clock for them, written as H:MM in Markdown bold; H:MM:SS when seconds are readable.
**10:14**
